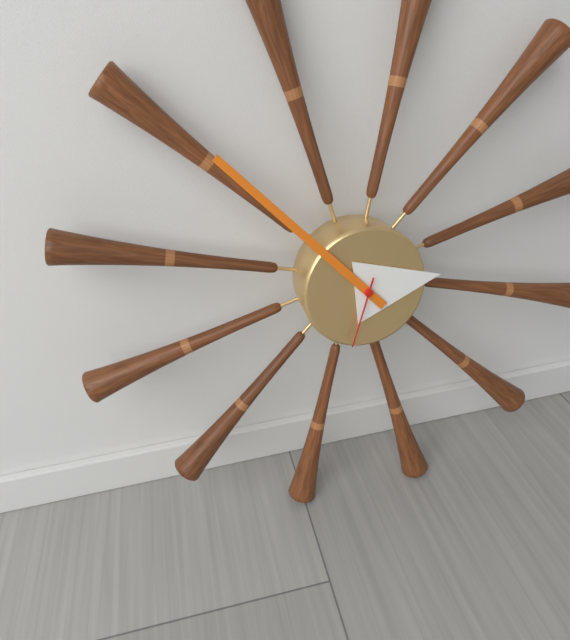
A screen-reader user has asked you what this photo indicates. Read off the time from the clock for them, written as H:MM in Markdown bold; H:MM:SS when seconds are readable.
**2:53:33**
